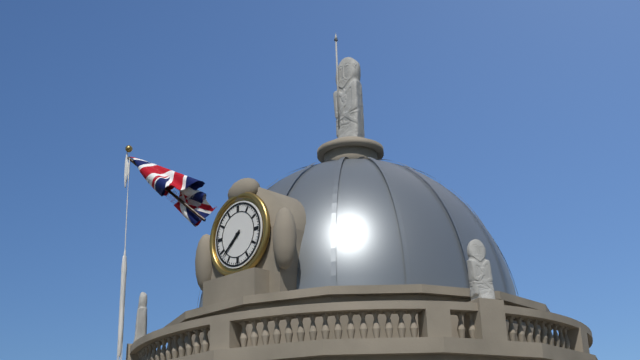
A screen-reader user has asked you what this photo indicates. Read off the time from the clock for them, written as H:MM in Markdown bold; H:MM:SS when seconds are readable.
**7:38**
